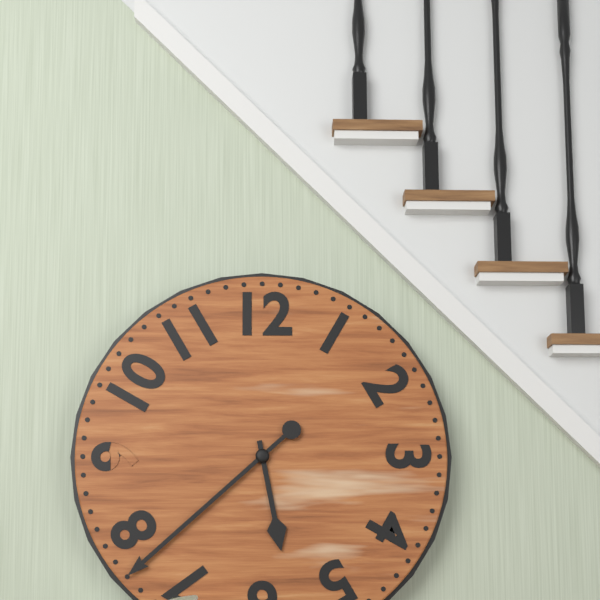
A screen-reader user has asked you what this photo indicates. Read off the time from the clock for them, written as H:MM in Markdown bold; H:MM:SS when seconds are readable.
**5:38**
